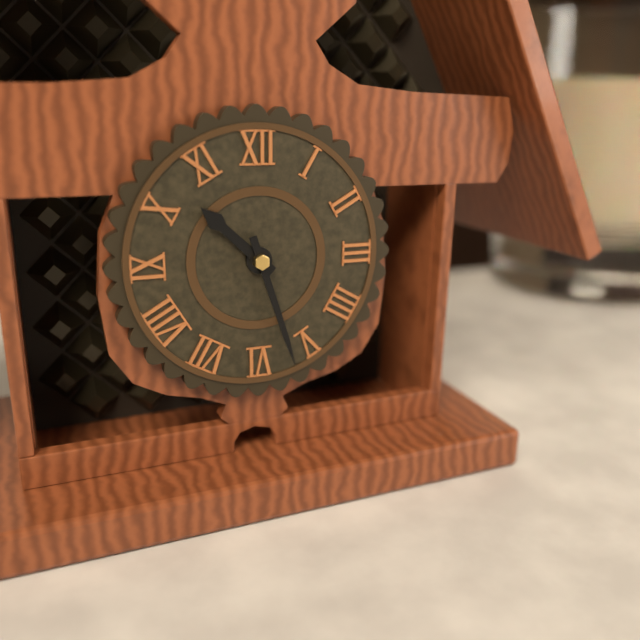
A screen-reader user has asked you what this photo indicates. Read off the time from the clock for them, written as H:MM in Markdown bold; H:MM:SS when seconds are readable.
**10:27**
